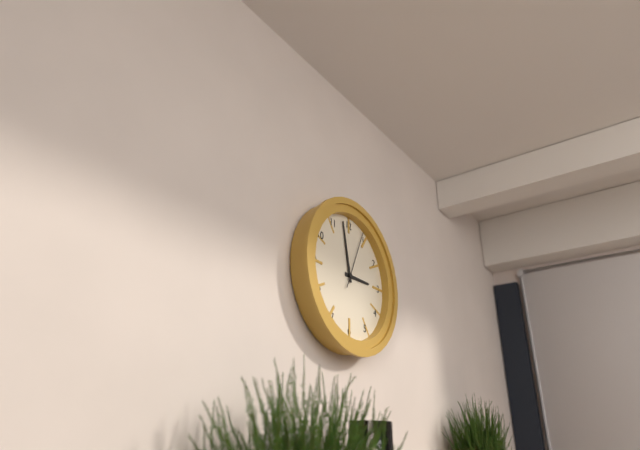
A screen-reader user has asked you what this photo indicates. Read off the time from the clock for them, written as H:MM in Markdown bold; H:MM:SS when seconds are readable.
**2:58:04**
